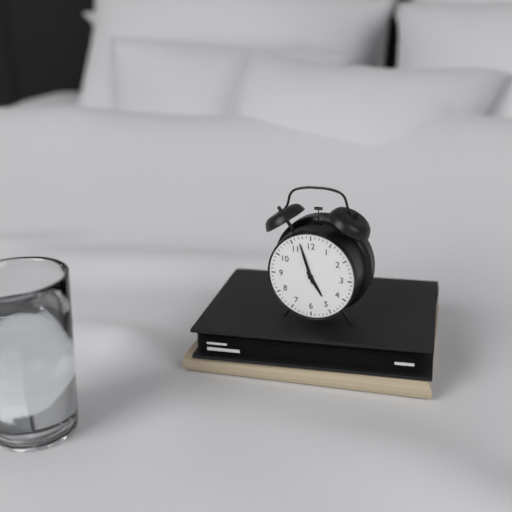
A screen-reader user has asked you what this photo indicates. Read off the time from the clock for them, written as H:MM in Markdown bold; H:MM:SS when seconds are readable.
**4:57**
